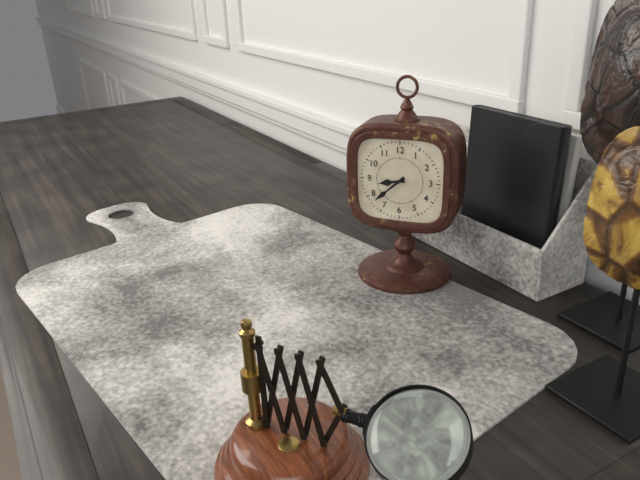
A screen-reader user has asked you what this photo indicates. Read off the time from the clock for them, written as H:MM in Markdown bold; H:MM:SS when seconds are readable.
**8:38**
